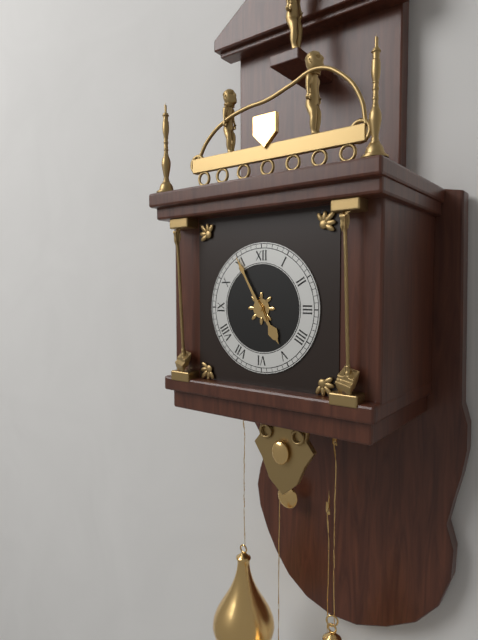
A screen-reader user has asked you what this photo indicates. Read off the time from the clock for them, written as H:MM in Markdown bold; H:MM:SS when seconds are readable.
**4:55**
